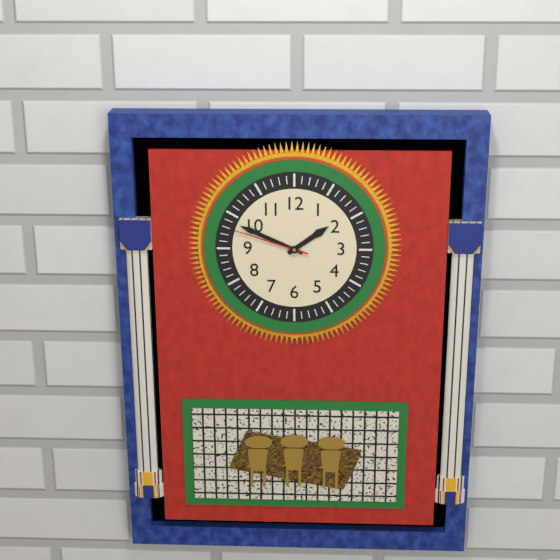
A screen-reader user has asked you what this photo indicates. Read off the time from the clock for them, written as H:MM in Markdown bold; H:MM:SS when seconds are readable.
**1:49:48**
